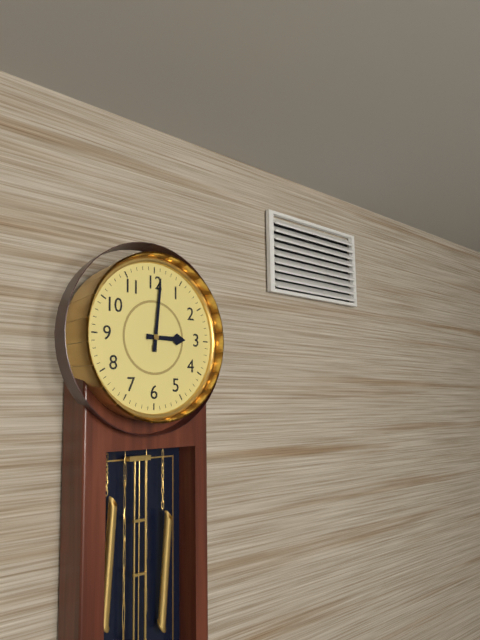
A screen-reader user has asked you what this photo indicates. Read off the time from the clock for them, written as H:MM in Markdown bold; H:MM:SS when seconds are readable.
**3:01**
